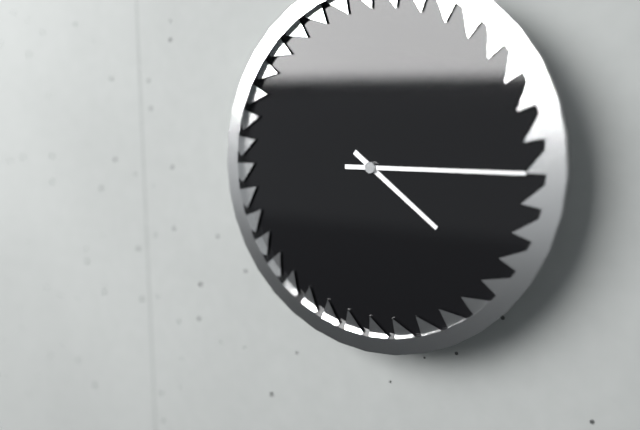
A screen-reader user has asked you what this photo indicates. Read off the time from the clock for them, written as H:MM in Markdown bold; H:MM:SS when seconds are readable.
**4:15**
